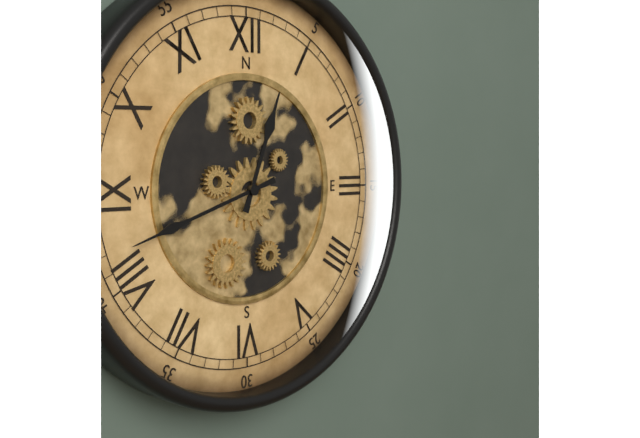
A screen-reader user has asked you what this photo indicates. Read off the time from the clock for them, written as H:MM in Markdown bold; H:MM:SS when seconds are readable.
**12:42**
